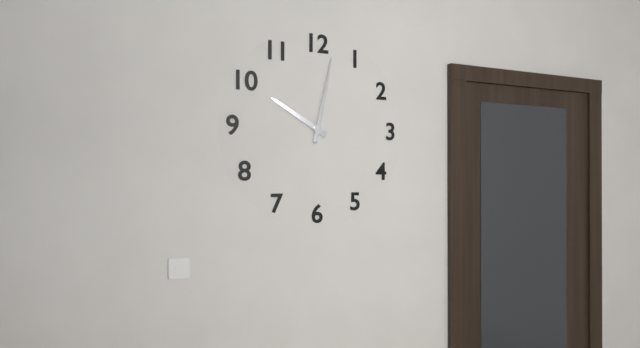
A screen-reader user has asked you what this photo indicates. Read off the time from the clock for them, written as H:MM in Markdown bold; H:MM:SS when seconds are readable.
**10:02**
